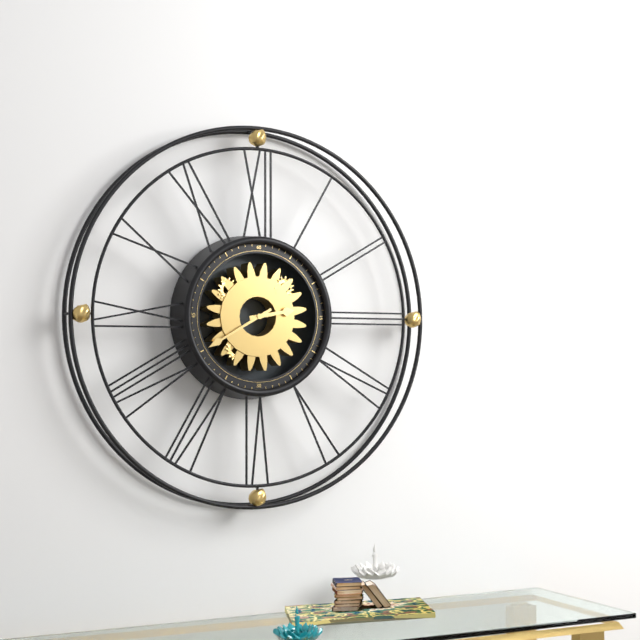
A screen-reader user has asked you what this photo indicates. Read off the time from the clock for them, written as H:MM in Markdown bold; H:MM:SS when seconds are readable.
**2:40**
